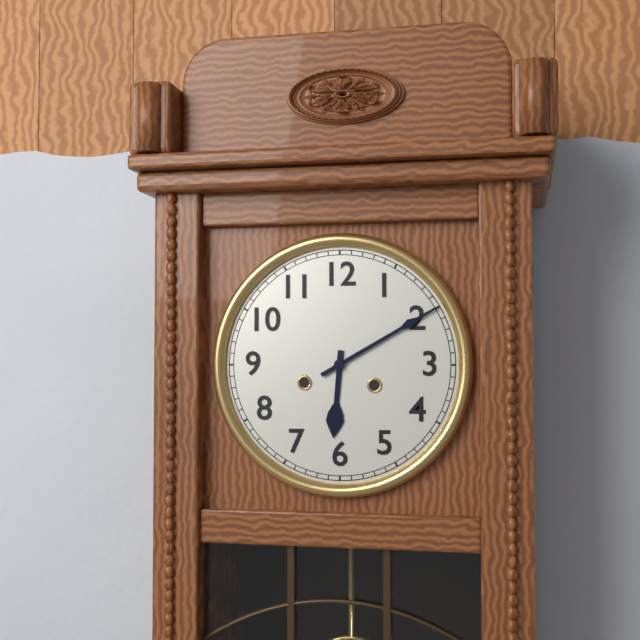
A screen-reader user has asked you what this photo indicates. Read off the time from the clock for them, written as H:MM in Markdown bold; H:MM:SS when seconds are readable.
**6:10**
